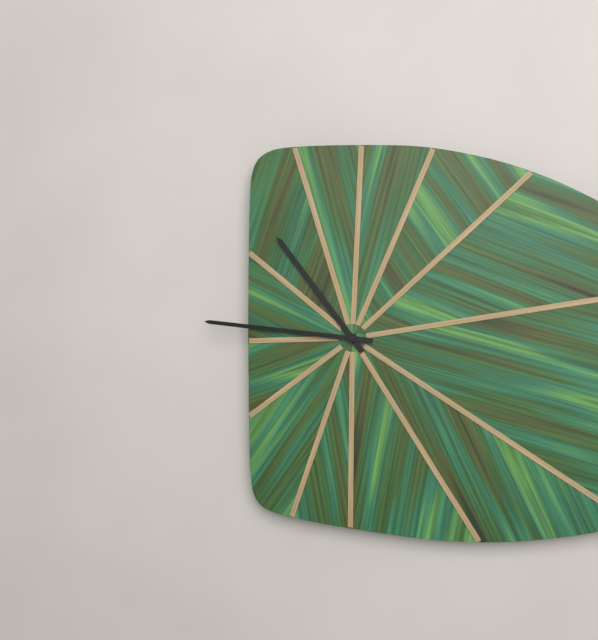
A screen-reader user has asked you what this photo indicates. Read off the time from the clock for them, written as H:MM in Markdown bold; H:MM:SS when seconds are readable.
**10:46**
